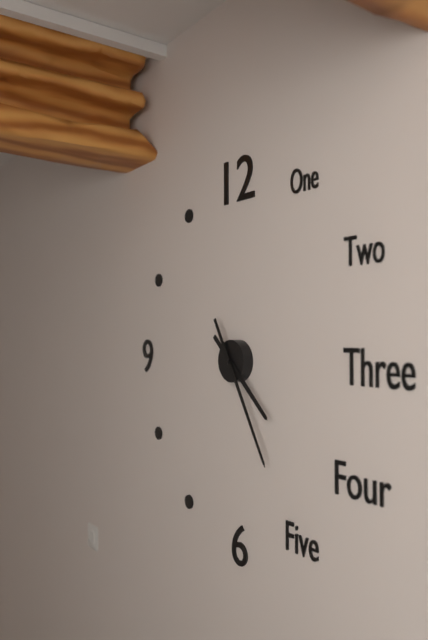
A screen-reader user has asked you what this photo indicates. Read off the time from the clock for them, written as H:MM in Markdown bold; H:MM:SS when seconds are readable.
**4:25**
